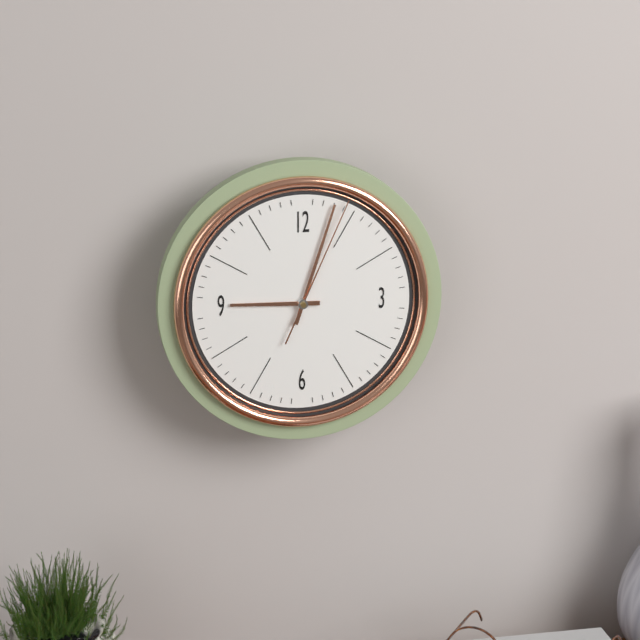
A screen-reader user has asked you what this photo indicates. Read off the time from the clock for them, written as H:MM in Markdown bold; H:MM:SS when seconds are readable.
**9:03:04**
